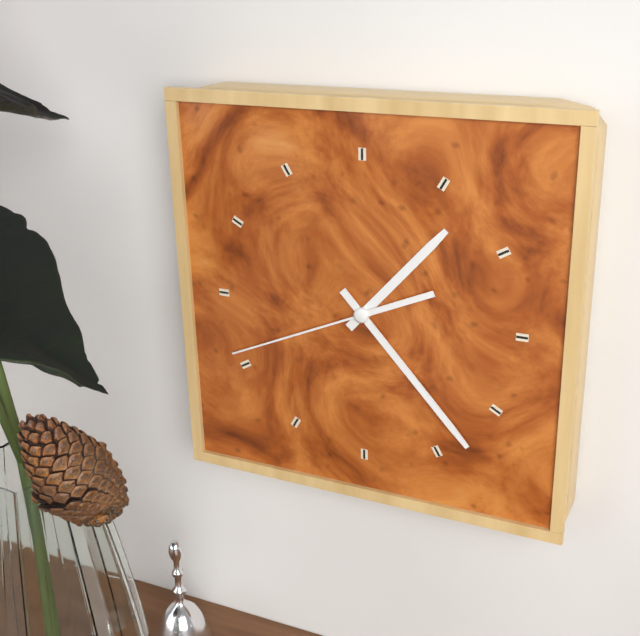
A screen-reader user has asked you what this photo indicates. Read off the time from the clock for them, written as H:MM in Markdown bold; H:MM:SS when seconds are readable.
**1:23:41**
